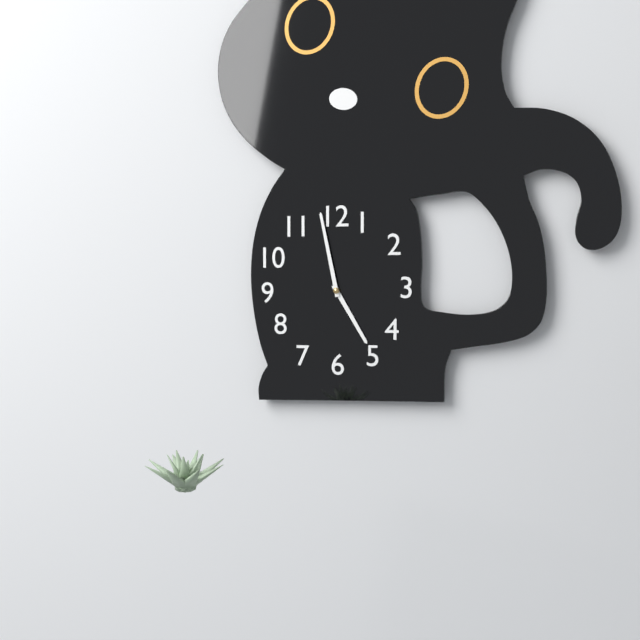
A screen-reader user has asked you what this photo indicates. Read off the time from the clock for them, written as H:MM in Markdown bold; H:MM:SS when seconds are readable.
**4:58**
